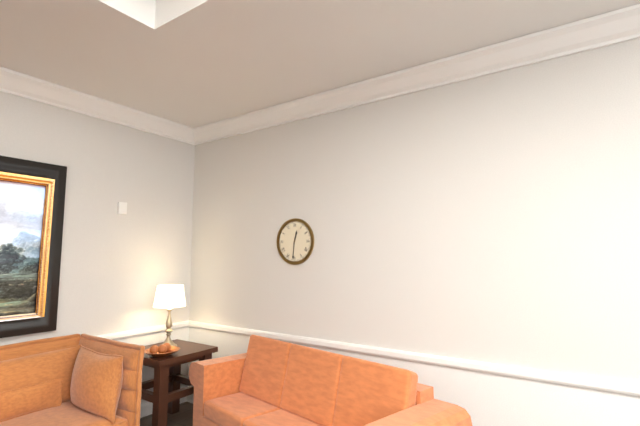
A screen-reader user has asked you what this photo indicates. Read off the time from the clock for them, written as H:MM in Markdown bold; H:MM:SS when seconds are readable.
**12:31**
